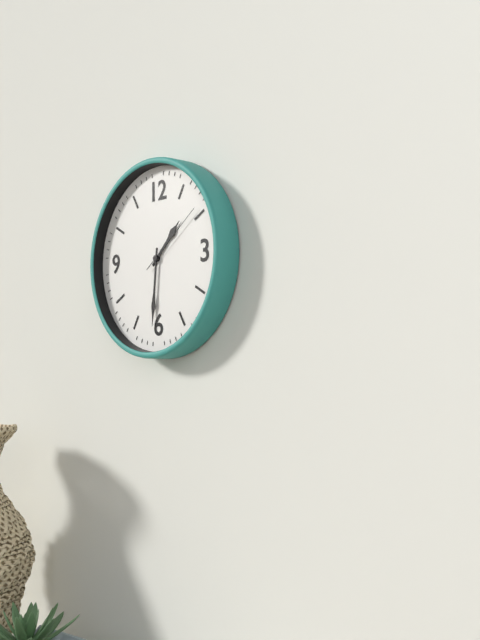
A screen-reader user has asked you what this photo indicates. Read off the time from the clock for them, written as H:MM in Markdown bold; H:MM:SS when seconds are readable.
**1:31:09**
